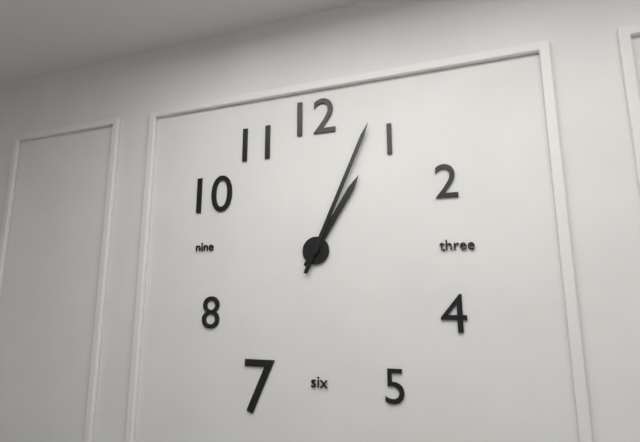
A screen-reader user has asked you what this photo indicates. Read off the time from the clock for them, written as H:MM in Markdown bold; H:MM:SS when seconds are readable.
**1:04**
